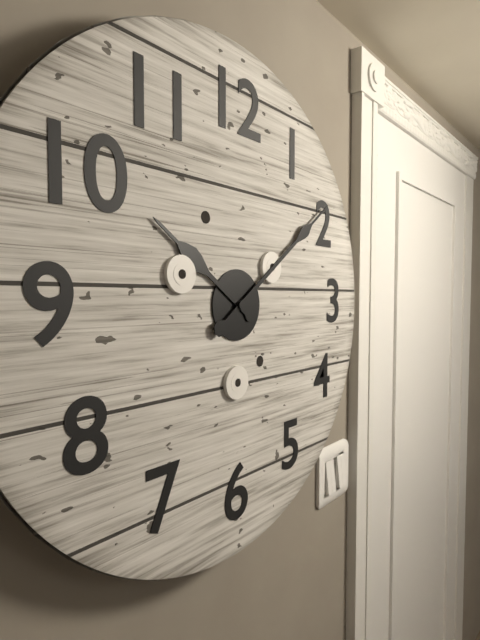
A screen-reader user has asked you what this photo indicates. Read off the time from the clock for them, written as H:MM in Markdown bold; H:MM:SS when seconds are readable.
**10:09**
